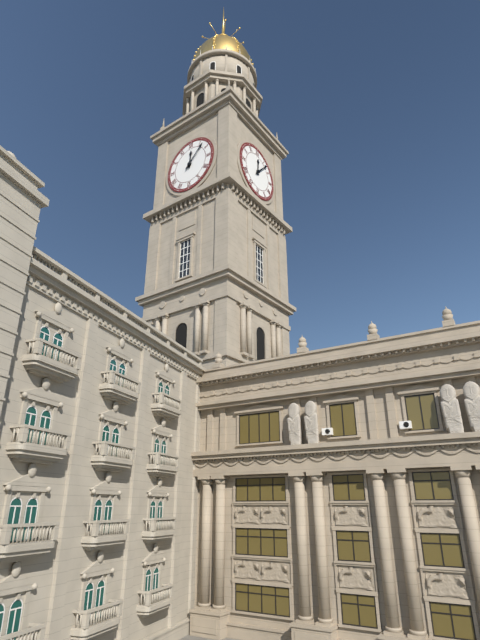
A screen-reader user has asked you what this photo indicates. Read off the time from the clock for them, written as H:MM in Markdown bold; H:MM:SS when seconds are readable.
**12:07**
